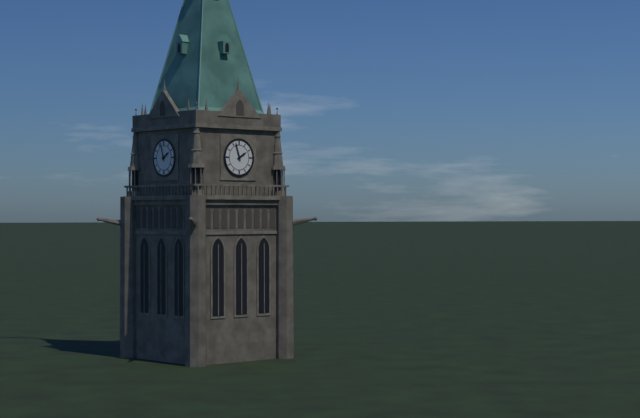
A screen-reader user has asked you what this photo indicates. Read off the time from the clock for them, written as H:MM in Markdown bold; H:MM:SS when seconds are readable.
**1:57**
